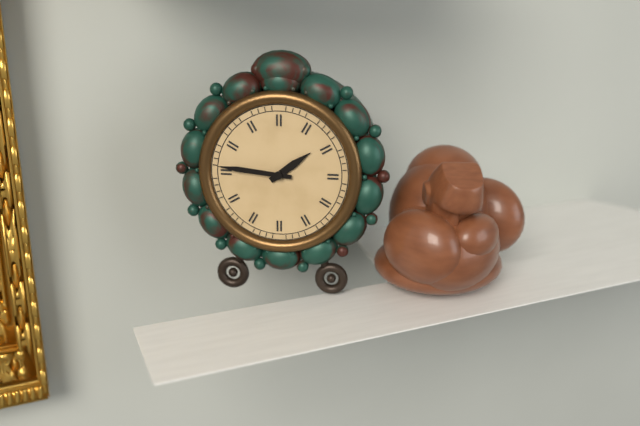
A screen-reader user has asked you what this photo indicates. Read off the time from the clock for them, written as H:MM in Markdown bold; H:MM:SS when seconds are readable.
**1:46**
